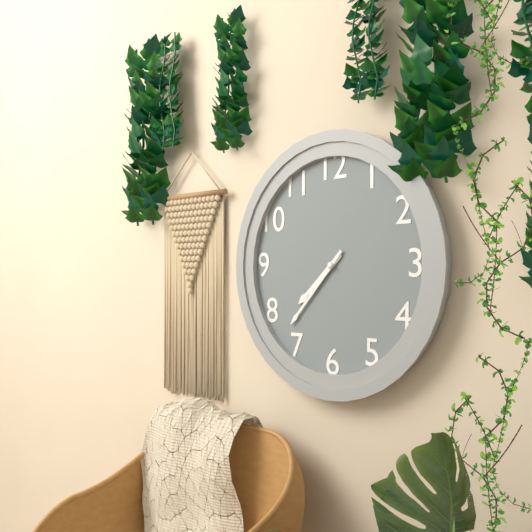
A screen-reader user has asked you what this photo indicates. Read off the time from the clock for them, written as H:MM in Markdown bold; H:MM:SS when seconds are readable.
**7:37**
